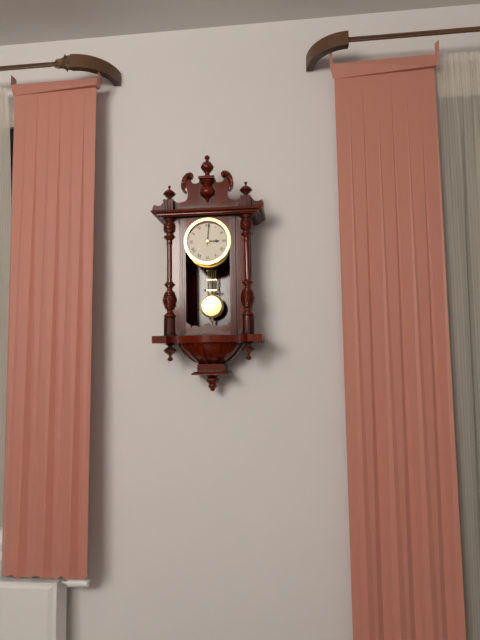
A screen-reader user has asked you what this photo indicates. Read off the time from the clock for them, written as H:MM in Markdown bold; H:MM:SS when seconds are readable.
**3:01**
